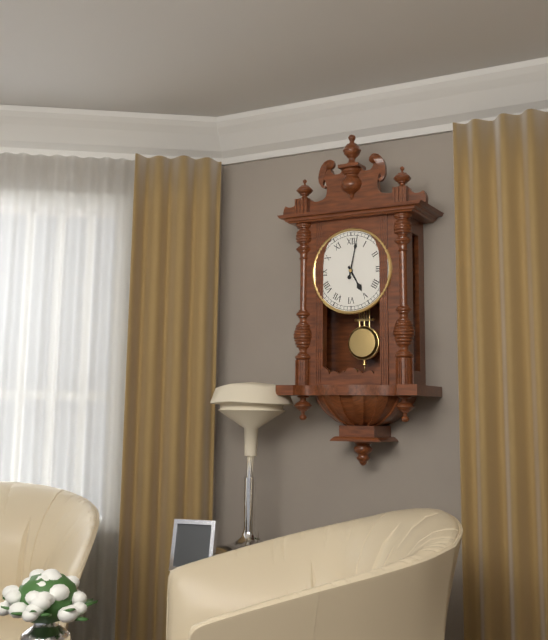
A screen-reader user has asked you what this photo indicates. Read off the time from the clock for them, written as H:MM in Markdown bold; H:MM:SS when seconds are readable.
**5:02**
